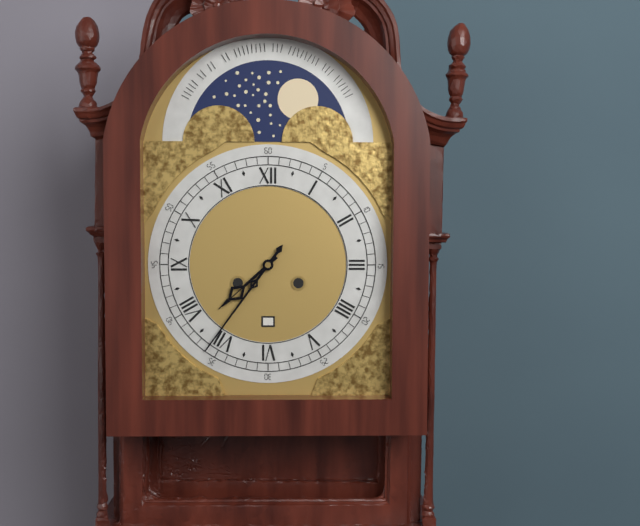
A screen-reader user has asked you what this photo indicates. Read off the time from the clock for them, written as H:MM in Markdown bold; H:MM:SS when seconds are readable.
**7:36**
